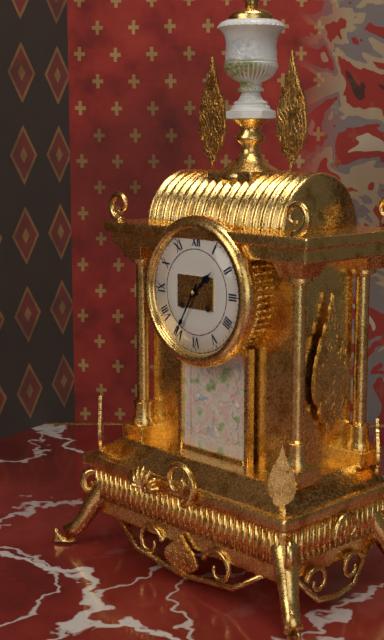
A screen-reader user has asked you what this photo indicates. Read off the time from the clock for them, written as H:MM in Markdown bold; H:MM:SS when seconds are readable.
**1:35**
